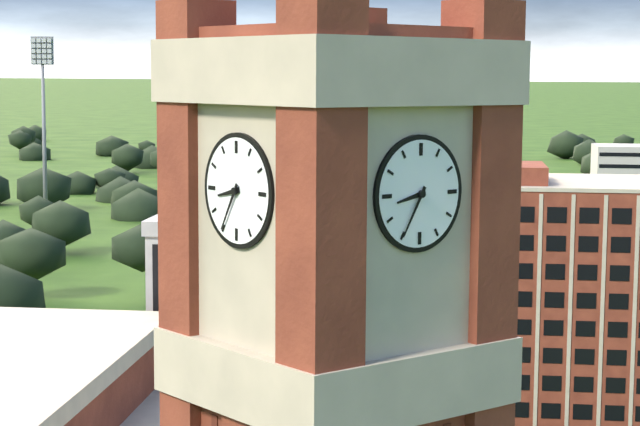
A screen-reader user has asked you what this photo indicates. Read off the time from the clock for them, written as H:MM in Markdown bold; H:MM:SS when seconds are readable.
**8:35**
